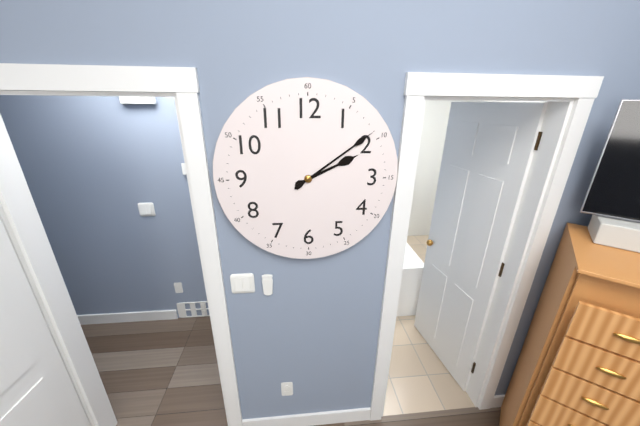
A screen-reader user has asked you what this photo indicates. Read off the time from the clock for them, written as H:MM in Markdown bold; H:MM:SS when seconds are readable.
**2:09**
